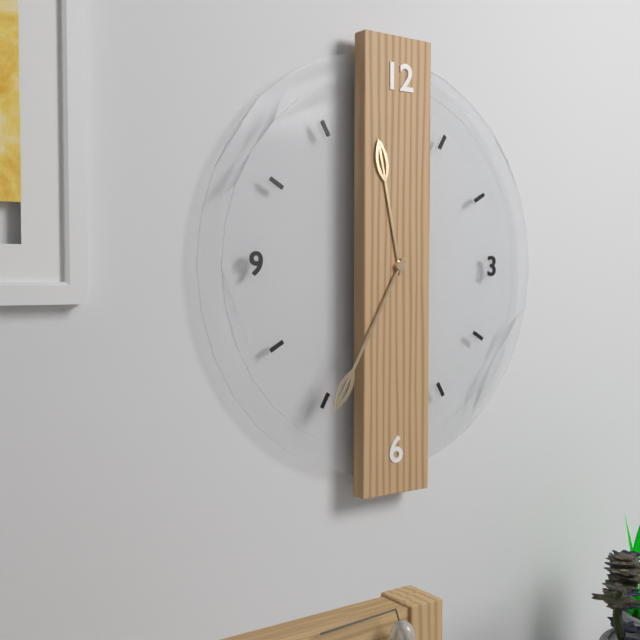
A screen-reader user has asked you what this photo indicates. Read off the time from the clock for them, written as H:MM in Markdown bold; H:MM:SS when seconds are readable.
**11:35**
